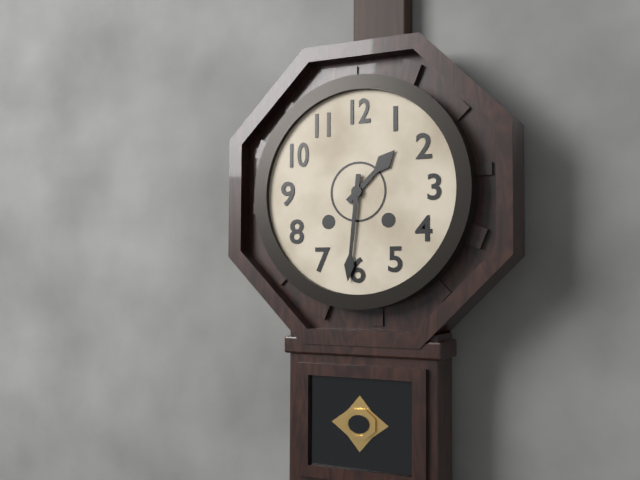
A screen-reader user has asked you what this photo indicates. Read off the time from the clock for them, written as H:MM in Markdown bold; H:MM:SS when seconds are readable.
**1:31**
